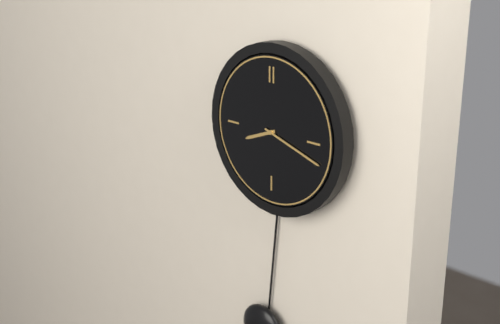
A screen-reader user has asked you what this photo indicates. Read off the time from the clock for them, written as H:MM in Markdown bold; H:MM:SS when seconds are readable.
**8:18**
